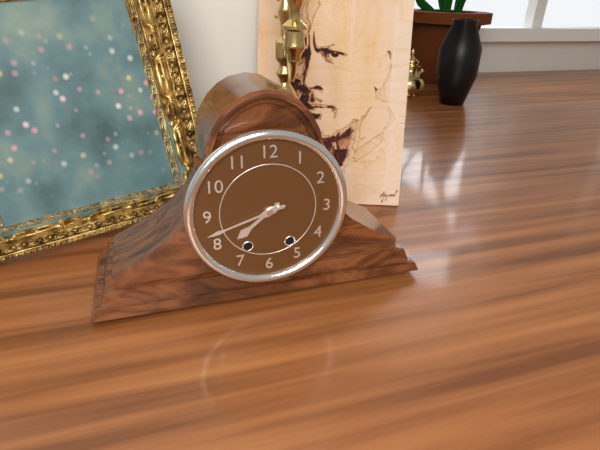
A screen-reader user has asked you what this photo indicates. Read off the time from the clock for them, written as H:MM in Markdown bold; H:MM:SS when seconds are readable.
**7:42**
